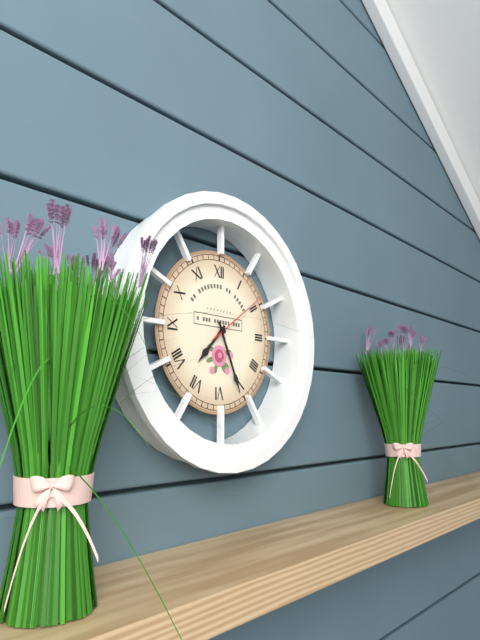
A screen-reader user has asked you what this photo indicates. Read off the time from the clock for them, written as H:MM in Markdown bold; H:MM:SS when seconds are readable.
**7:26:09**
